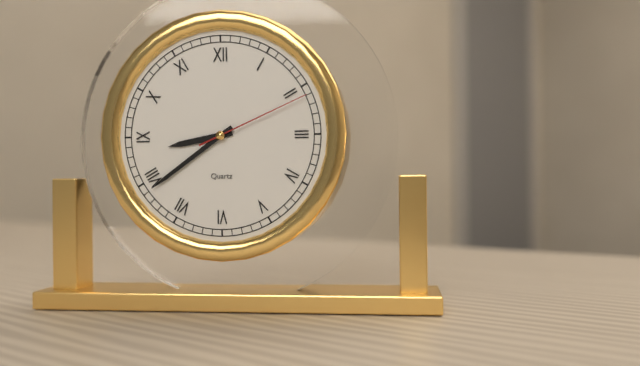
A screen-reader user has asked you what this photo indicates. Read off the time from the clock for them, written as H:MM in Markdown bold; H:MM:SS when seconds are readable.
**8:39:11**
